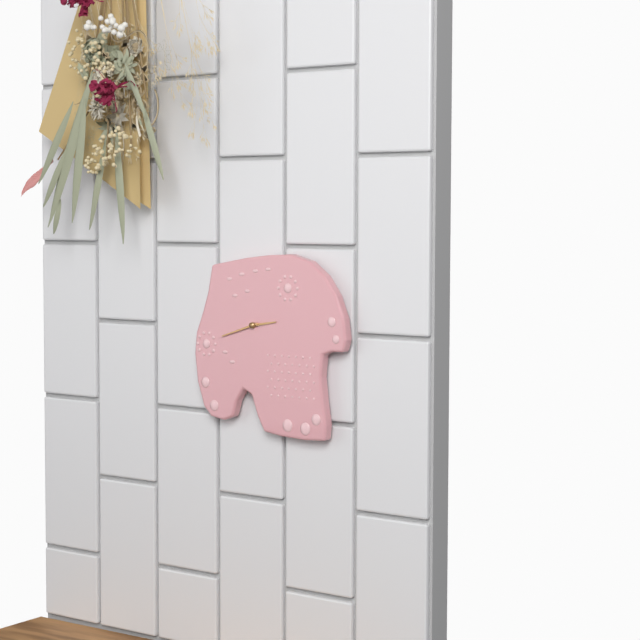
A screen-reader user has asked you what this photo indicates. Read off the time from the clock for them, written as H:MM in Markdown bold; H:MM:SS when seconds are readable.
**2:42**
